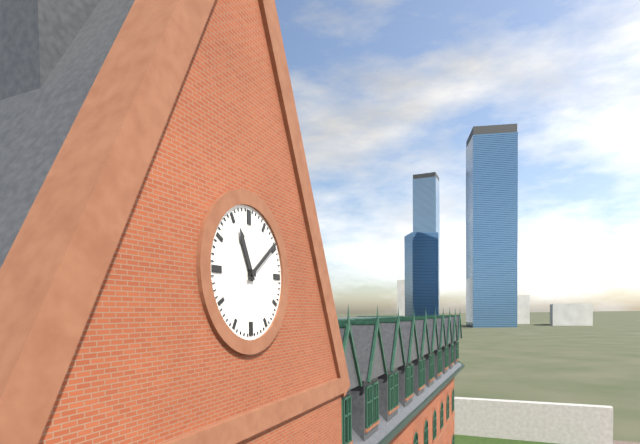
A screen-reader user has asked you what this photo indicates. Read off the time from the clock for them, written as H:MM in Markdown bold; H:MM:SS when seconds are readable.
**11:09**
